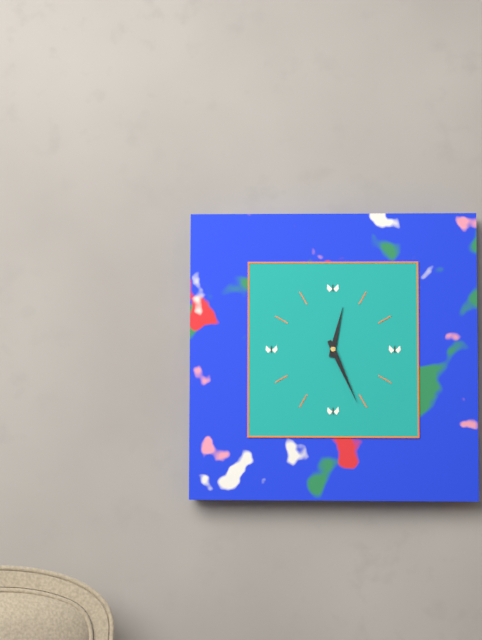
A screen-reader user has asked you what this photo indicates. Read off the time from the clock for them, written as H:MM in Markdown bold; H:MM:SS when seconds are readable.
**12:26**
